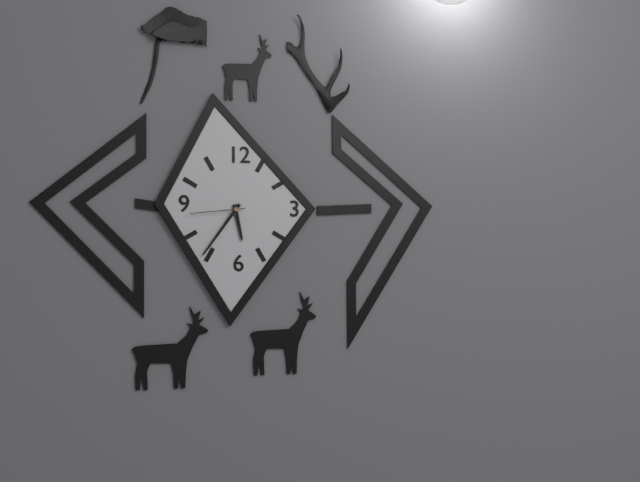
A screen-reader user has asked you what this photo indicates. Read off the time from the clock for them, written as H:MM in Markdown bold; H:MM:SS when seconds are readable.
**5:36:44**
